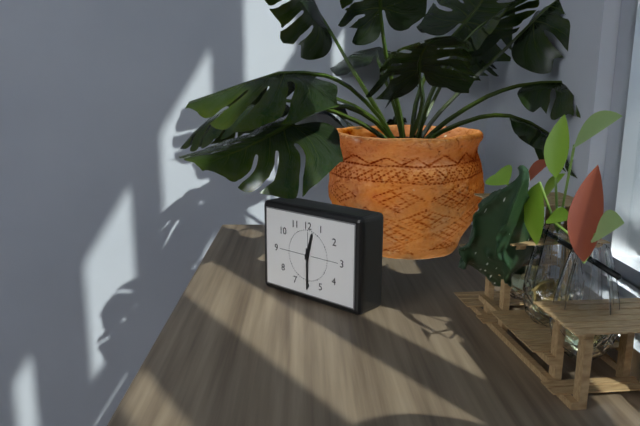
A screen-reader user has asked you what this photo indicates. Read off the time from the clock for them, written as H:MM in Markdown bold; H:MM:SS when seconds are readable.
**12:30**
